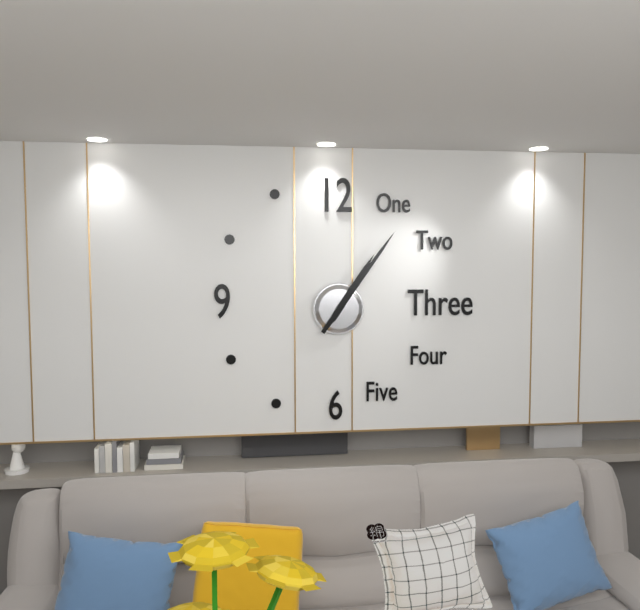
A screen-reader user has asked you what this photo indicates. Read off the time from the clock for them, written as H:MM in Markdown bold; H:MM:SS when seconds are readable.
**1:06**
